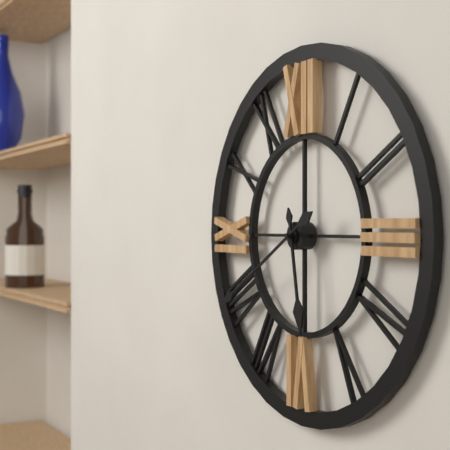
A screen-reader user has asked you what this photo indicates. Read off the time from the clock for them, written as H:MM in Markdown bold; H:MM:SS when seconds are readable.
**5:40**
